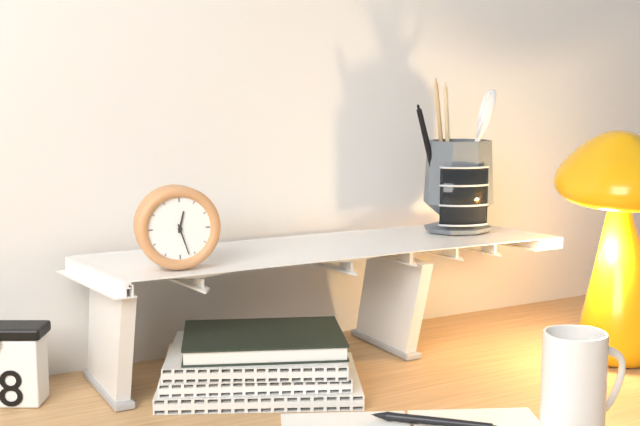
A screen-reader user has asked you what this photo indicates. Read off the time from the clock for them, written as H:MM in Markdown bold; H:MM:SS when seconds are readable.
**12:27**
